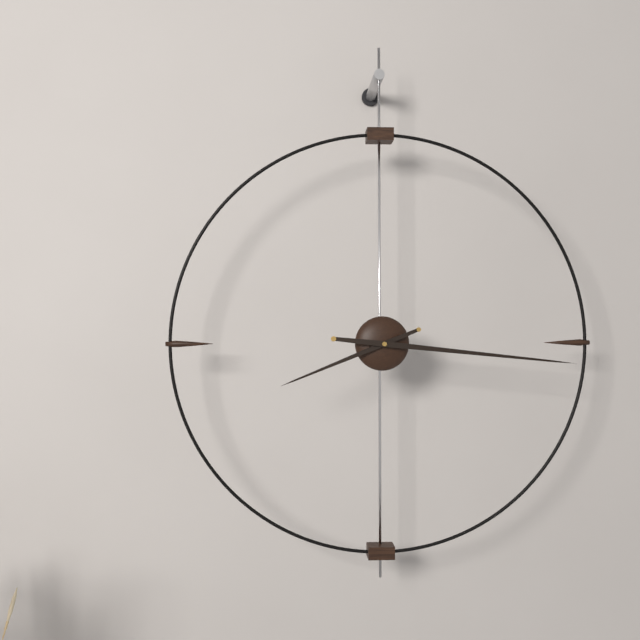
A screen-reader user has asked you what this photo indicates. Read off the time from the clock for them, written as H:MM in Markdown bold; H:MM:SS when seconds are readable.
**8:16**
